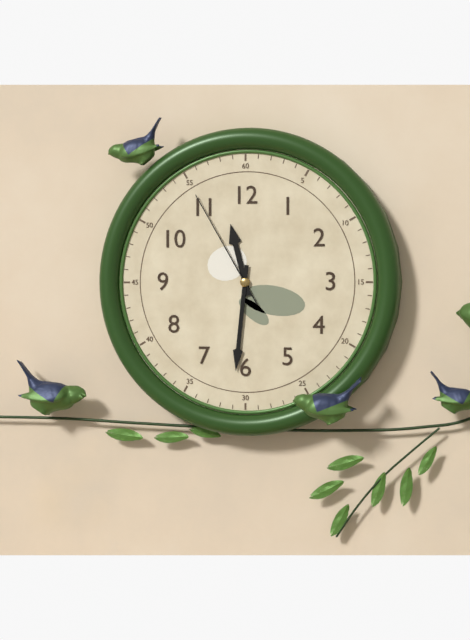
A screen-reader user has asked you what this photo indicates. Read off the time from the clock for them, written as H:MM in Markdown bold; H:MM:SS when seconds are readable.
**11:31:55**
